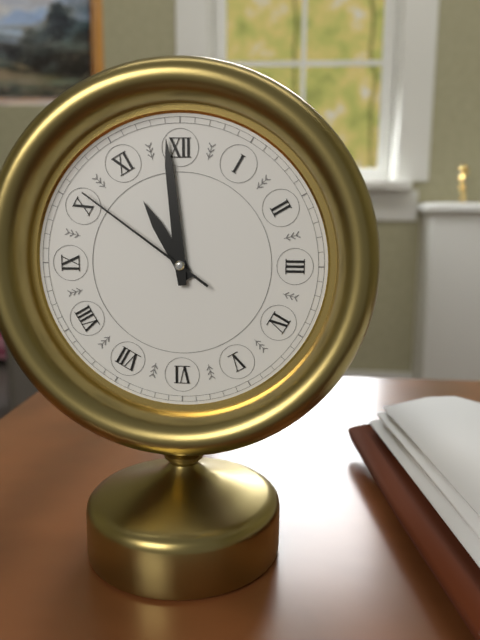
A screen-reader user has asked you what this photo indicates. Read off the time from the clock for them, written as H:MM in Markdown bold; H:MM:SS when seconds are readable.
**10:59:51**
